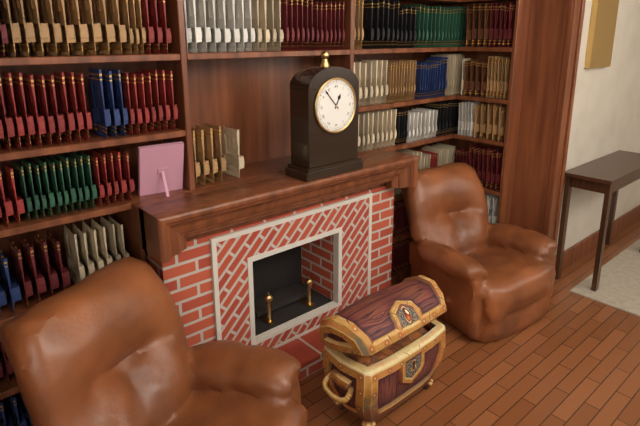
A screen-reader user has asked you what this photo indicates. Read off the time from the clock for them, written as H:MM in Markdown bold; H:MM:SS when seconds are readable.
**12:53**
